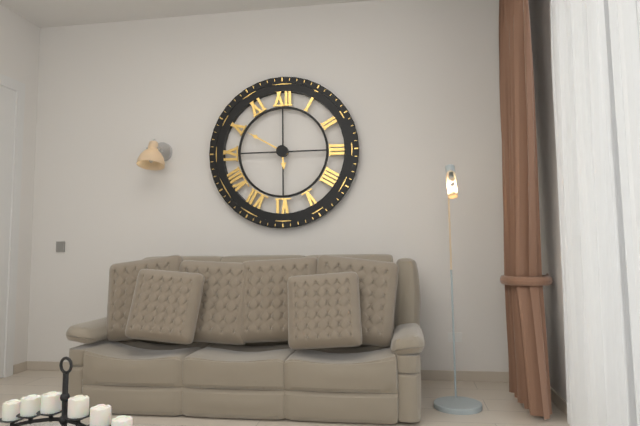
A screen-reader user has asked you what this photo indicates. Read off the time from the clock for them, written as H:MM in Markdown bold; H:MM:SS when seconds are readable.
**5:50**
